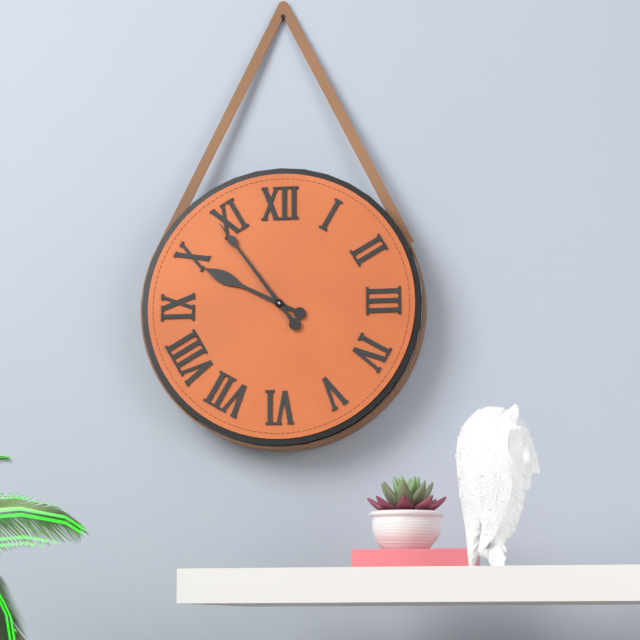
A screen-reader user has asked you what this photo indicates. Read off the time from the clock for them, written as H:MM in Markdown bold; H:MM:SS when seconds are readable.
**9:54**
